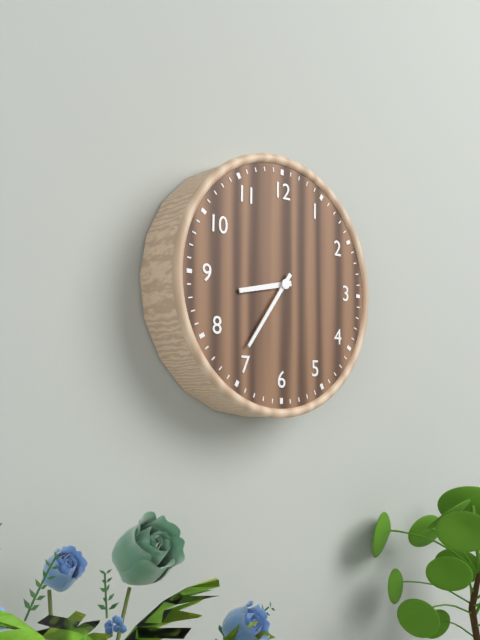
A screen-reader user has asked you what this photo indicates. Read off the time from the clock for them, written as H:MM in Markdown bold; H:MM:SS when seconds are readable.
**8:36**
